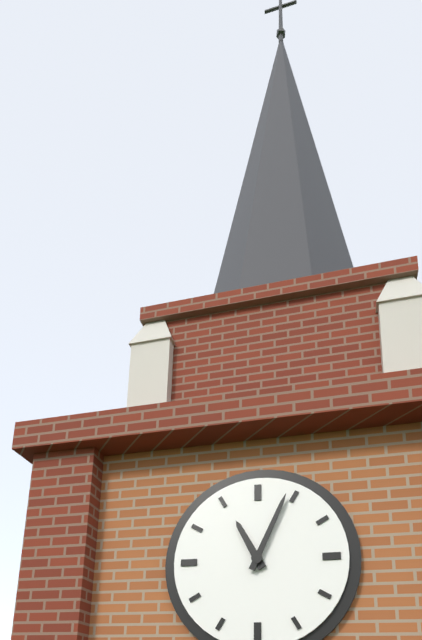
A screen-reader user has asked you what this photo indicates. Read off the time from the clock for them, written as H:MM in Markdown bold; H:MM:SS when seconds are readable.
**11:04**
